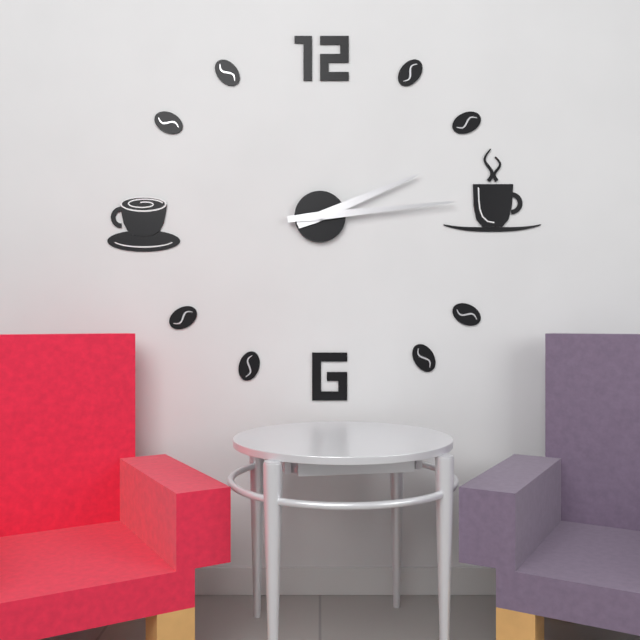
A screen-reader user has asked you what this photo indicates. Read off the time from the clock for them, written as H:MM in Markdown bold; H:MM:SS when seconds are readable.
**2:14**
